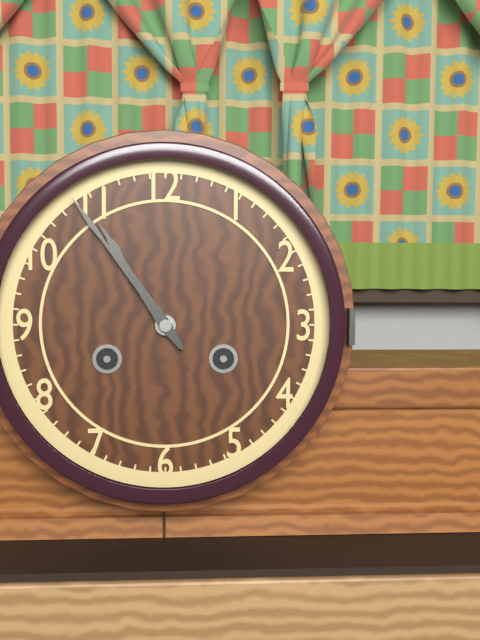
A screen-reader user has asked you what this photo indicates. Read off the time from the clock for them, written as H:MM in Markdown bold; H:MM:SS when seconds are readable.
**10:54**
